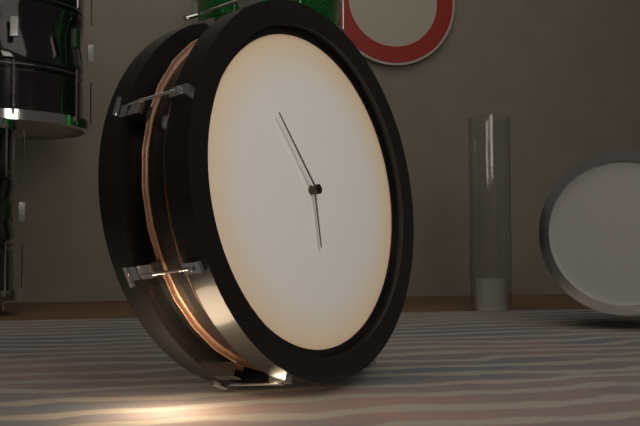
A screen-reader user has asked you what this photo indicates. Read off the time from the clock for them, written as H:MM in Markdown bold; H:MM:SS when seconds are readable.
**5:54**
